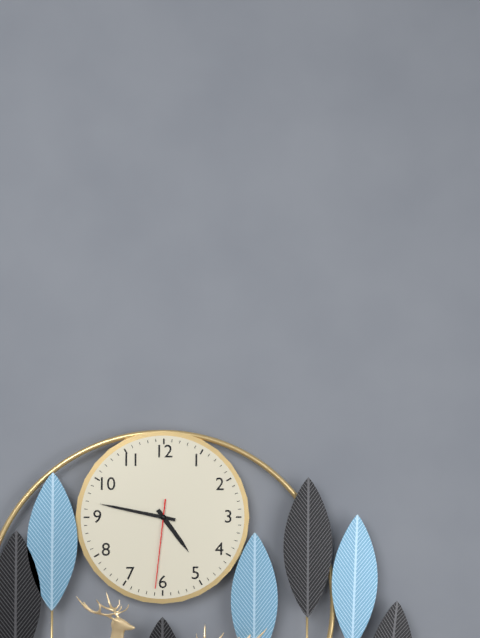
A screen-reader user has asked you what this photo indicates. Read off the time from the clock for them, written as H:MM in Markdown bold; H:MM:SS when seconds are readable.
**4:47:31**
